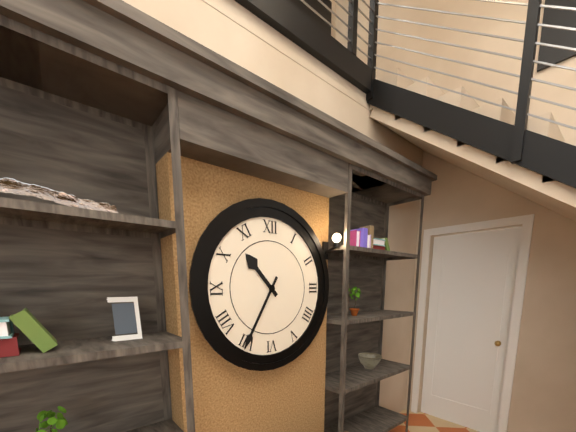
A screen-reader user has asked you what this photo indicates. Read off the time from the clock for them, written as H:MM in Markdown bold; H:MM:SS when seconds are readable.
**10:35**
